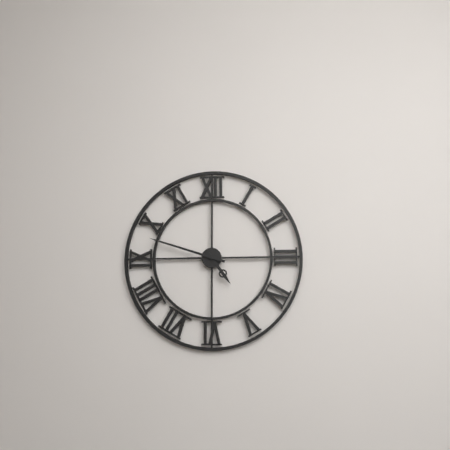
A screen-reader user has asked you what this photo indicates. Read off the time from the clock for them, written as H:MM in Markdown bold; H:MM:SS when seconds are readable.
**4:48**
